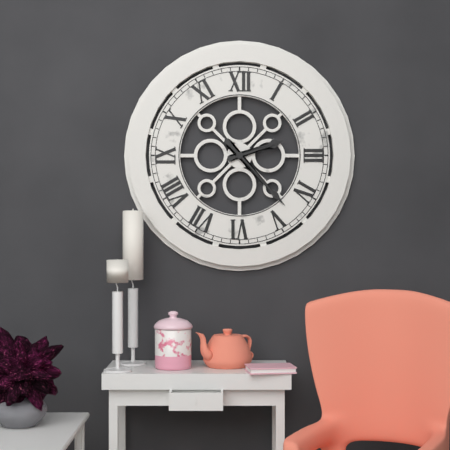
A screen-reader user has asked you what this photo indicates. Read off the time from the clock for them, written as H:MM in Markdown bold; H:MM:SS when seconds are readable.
**2:23**
